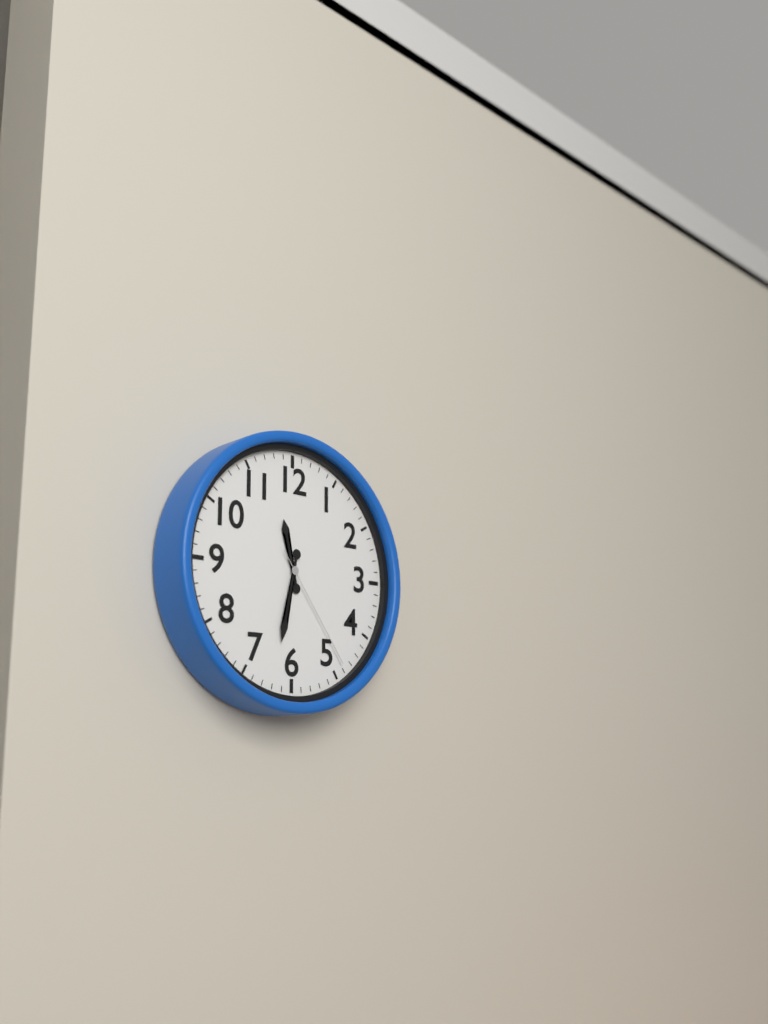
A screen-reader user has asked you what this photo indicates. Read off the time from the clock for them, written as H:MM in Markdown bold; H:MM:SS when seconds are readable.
**11:32:24**
